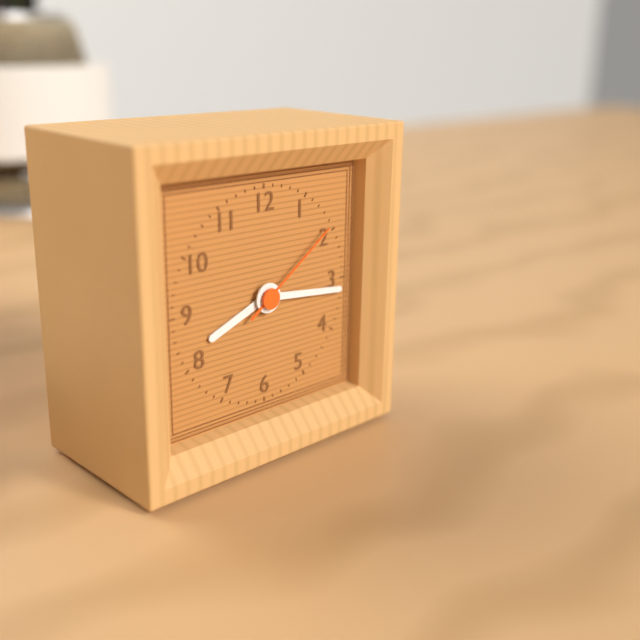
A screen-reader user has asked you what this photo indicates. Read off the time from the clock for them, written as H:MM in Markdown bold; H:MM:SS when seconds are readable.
**8:16:09**
